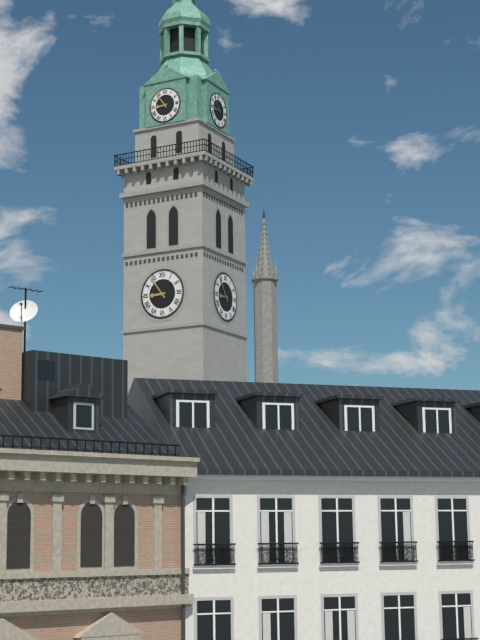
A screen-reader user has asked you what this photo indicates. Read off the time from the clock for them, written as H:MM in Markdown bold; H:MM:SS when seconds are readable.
**8:54**
